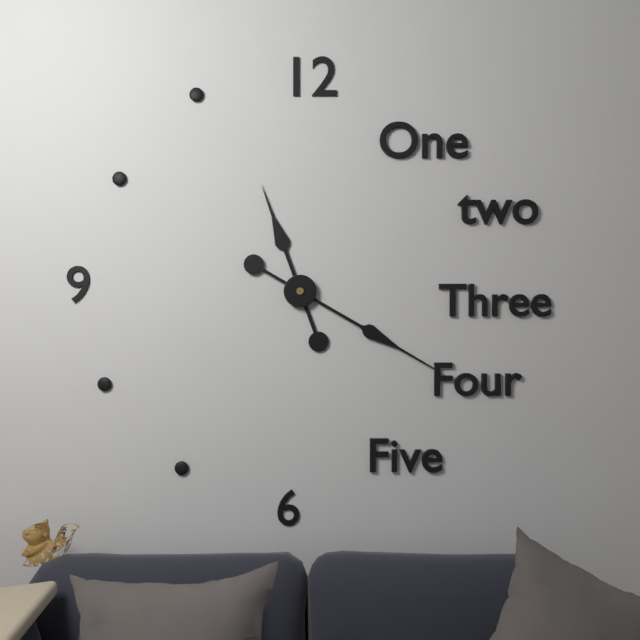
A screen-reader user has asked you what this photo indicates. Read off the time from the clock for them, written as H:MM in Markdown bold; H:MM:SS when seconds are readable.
**11:20**
